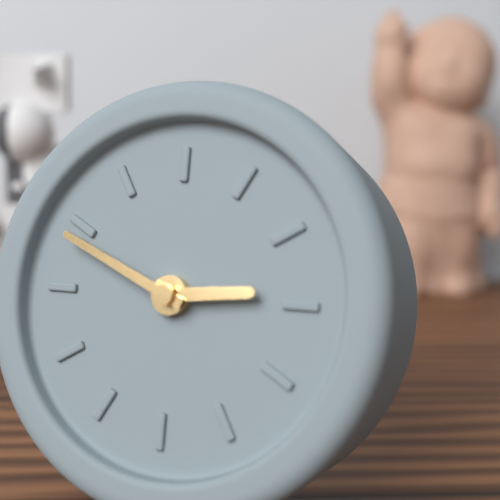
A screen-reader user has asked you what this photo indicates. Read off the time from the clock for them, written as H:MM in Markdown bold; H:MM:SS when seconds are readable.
**2:49**
